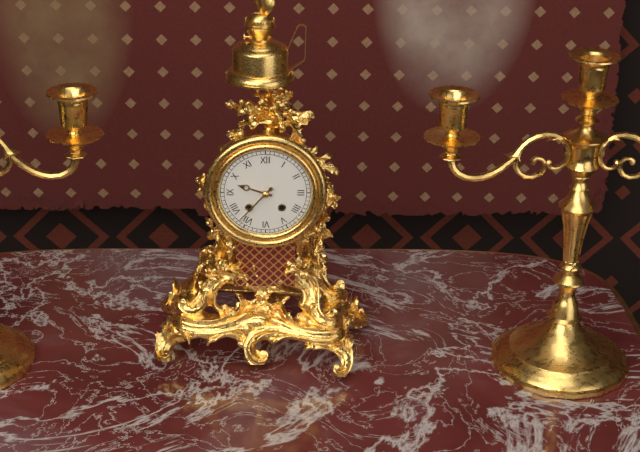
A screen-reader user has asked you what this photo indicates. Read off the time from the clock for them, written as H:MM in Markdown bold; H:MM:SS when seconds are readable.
**9:37**
